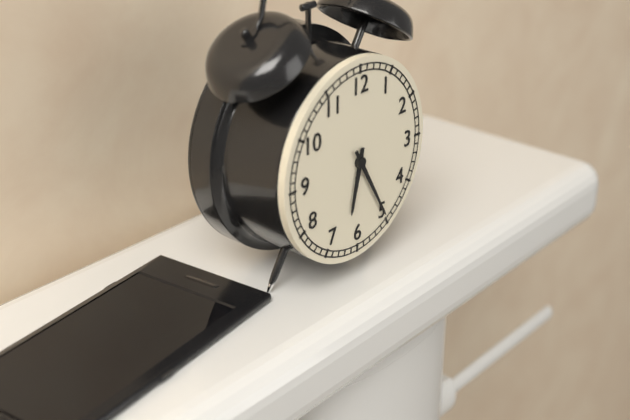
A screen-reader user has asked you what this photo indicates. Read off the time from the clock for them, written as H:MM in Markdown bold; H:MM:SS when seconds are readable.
**6:25**
